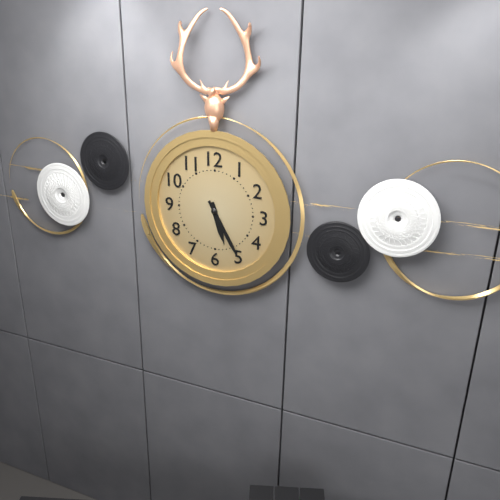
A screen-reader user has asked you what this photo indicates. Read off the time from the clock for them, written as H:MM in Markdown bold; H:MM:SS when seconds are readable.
**5:25**
